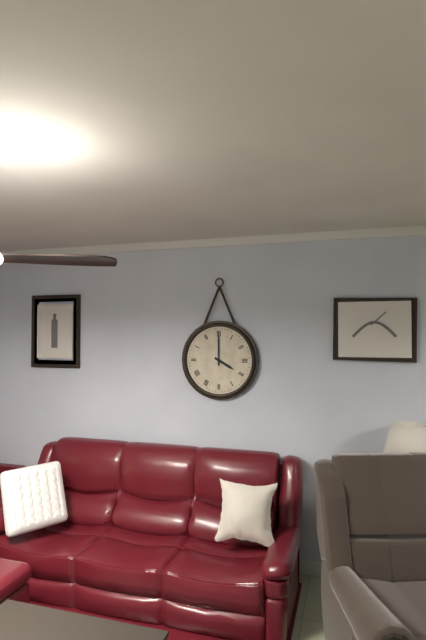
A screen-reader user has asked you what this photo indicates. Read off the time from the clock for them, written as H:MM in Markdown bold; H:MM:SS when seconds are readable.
**4:00**
